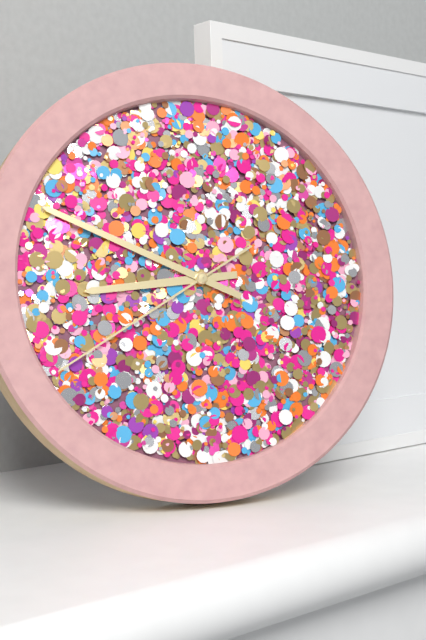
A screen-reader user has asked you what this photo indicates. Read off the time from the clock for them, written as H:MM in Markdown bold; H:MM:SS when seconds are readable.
**8:49:40**
